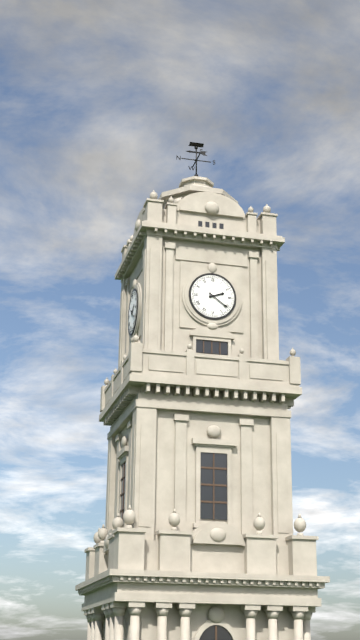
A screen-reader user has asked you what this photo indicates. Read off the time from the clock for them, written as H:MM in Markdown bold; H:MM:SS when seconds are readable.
**2:21**
